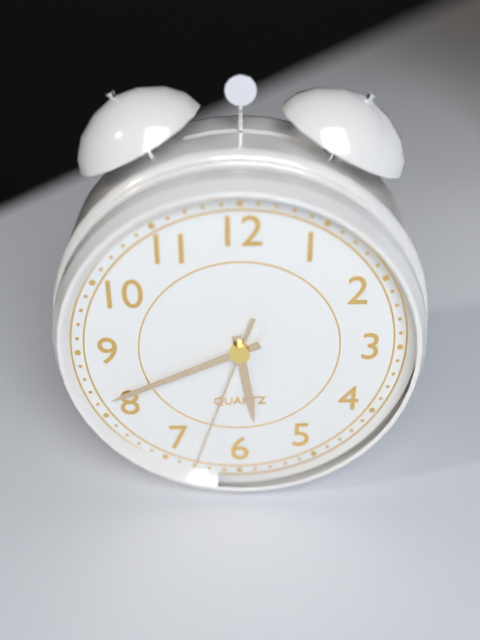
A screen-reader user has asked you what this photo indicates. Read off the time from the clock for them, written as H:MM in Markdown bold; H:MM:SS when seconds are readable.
**5:41:33**
